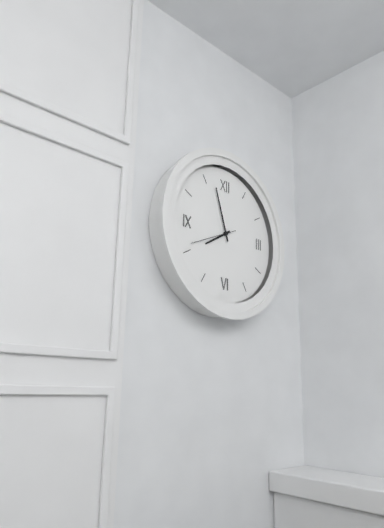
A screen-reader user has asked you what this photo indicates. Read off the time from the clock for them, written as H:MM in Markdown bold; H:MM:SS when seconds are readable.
**7:57**
